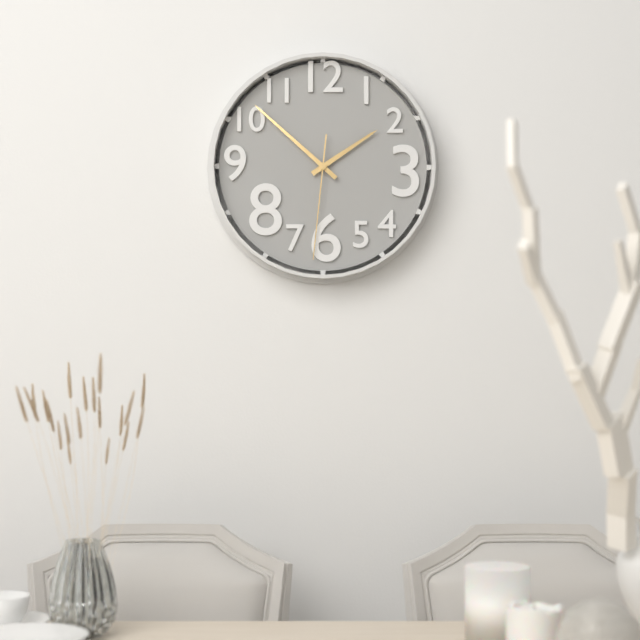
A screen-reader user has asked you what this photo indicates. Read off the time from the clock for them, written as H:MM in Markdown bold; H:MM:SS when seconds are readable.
**1:52:31**
